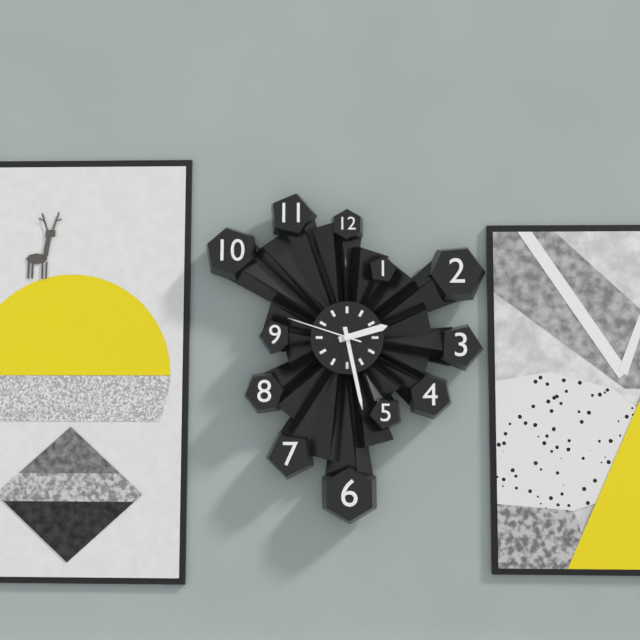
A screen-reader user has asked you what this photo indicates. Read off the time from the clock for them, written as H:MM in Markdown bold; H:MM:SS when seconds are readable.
**2:28:48**
